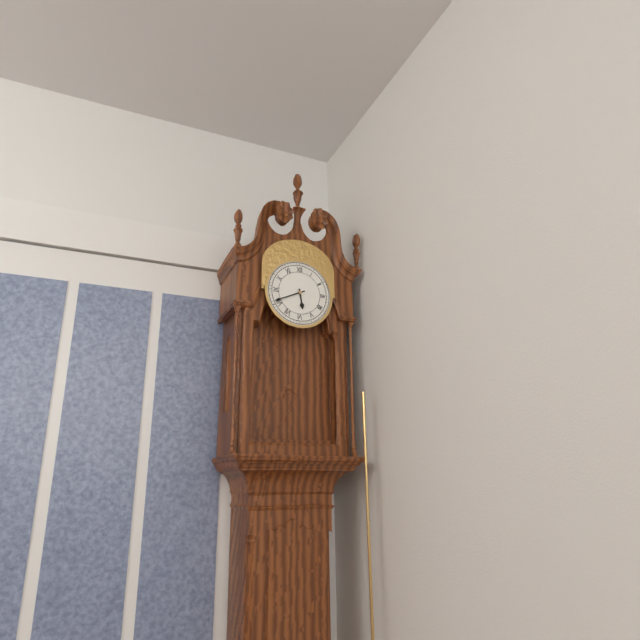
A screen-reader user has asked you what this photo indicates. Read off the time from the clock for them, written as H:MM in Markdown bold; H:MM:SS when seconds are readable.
**5:41**
